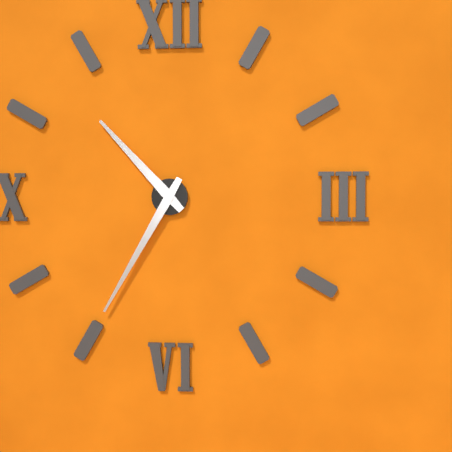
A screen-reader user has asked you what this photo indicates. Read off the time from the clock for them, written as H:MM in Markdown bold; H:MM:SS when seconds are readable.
**10:35**
